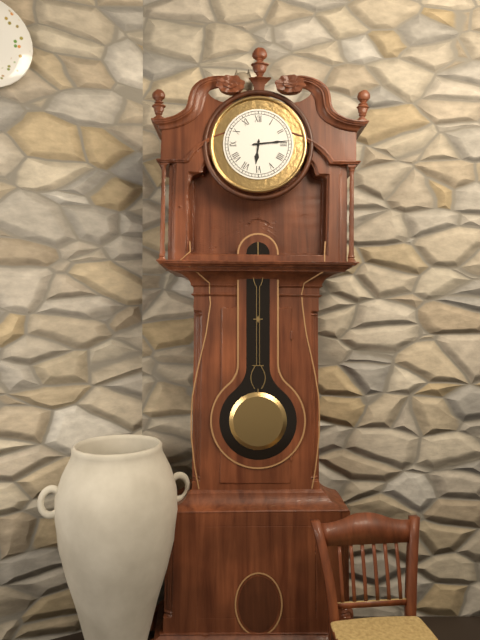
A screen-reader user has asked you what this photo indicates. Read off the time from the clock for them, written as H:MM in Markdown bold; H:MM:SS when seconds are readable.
**6:14**
